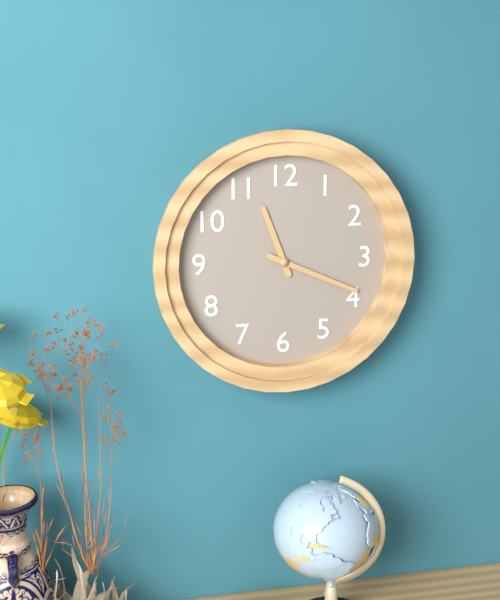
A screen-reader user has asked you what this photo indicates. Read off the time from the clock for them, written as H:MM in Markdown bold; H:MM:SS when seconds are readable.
**11:19**
